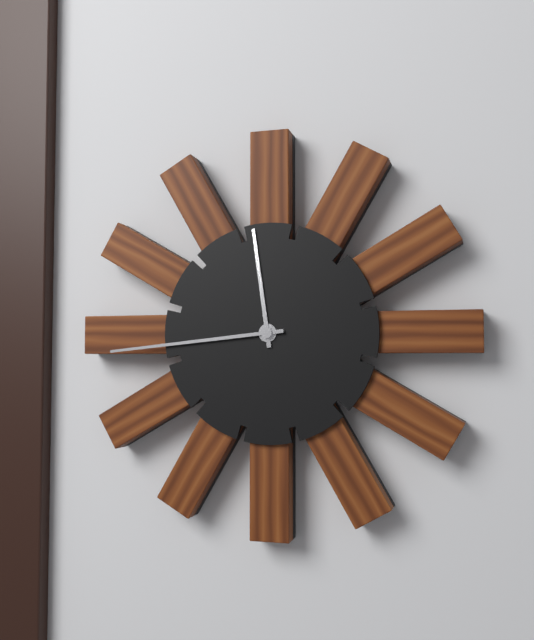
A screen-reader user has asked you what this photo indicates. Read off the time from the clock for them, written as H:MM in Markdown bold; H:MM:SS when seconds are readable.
**11:44**
